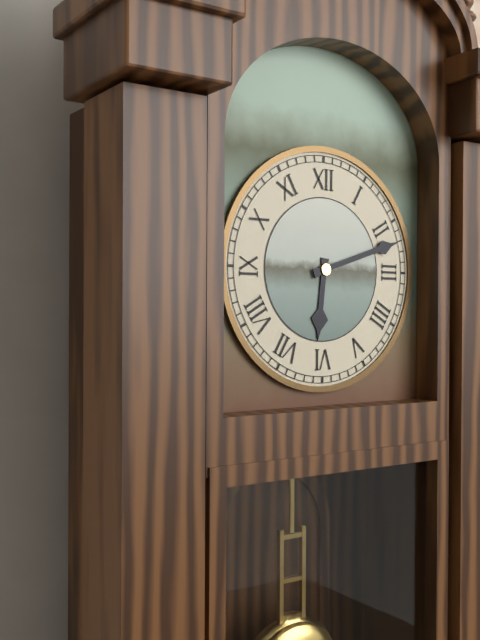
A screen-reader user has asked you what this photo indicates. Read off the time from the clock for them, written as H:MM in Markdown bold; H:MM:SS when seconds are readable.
**6:12**
